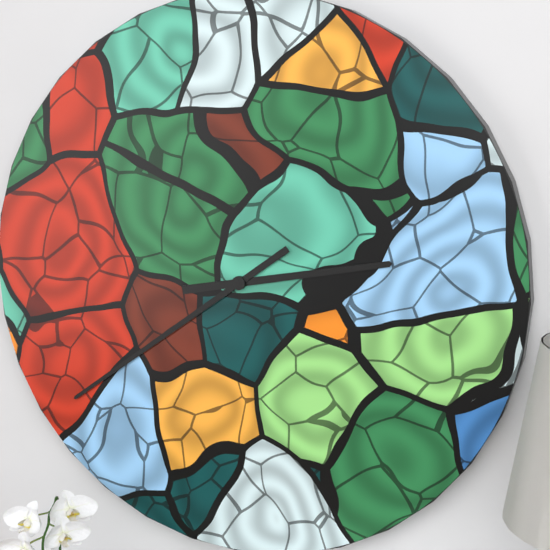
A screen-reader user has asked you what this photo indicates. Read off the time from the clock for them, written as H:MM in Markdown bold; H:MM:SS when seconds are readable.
**2:39**
